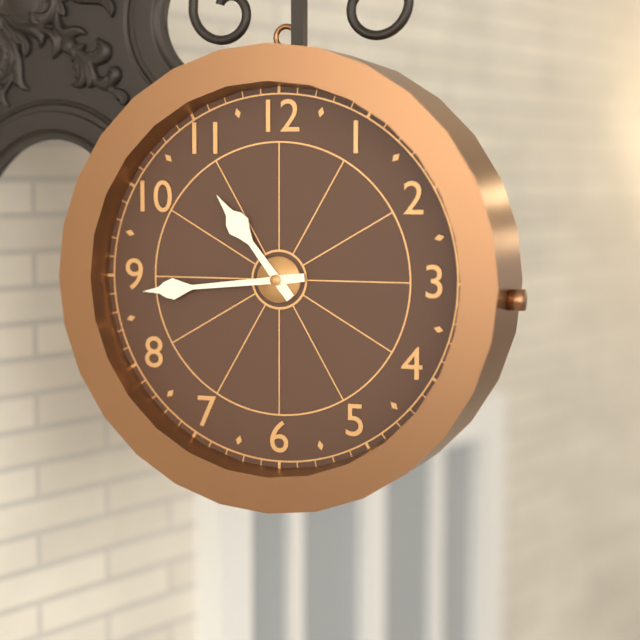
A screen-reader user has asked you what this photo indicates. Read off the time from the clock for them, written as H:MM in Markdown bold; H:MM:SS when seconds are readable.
**10:44**
